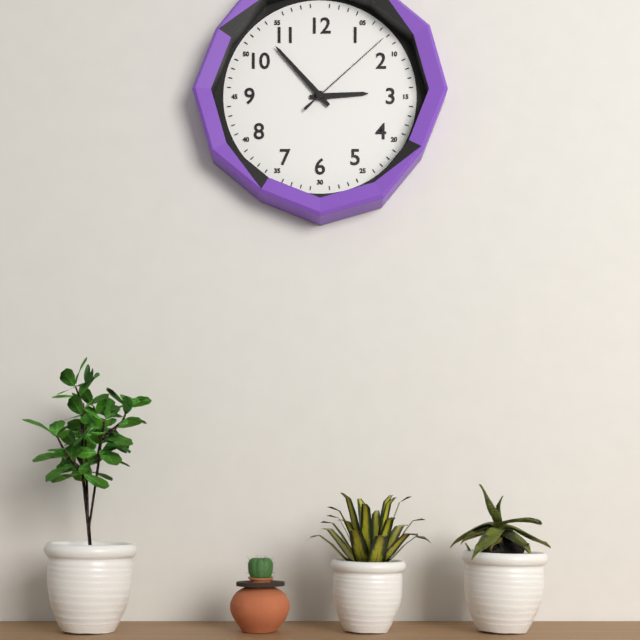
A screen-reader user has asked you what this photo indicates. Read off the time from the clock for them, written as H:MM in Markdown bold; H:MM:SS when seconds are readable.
**2:53:08**
